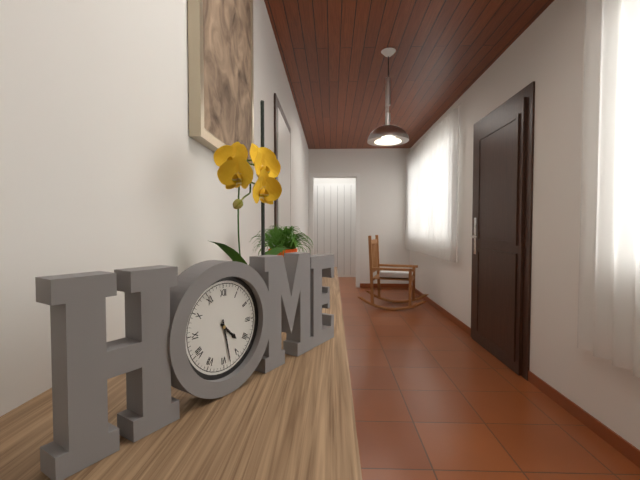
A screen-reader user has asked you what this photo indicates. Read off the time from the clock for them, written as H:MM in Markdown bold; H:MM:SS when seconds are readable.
**4:28**
